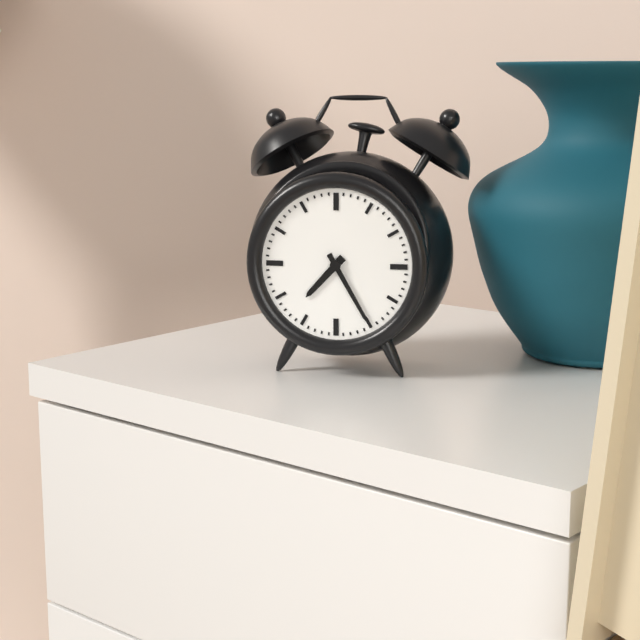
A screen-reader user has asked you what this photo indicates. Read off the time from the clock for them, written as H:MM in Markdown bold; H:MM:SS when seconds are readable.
**7:25**
